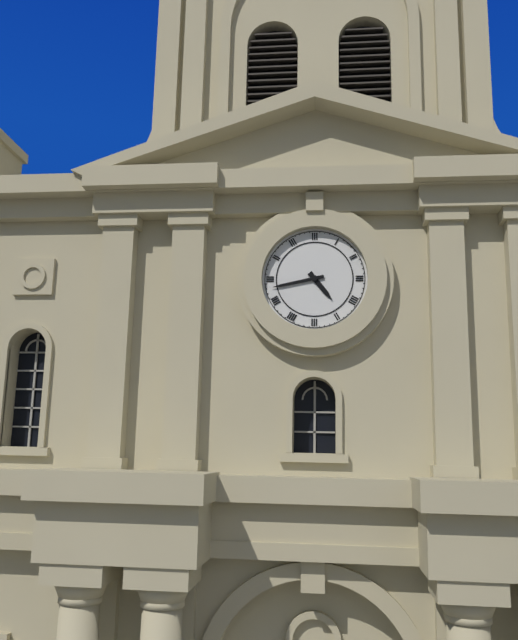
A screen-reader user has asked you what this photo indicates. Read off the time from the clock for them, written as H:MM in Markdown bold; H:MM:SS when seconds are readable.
**4:43**
